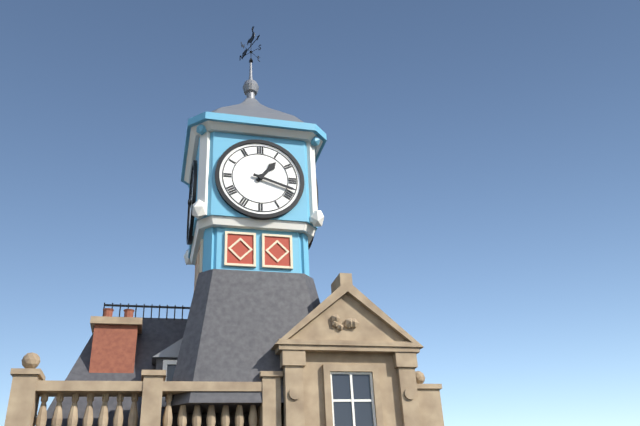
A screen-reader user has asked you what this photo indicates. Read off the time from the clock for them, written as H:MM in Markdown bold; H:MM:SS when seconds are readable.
**1:18**
